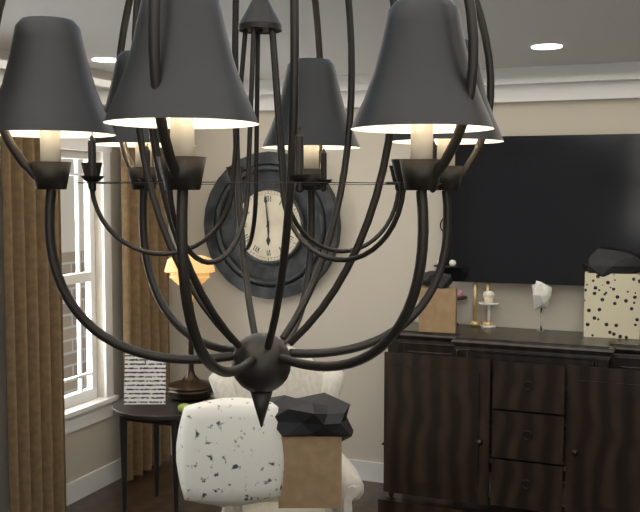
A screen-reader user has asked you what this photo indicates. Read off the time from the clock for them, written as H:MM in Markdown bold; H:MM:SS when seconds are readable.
**5:59**
